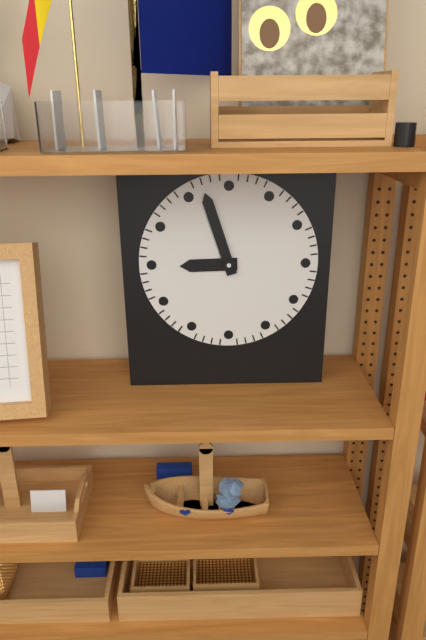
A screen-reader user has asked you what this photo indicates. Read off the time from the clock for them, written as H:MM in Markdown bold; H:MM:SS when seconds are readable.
**8:57**
